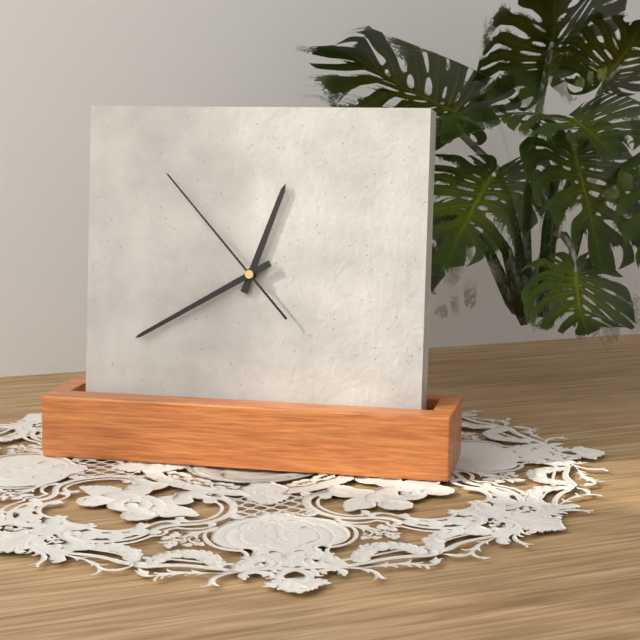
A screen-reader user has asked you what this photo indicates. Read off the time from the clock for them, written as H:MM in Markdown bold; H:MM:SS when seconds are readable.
**12:40:53**
